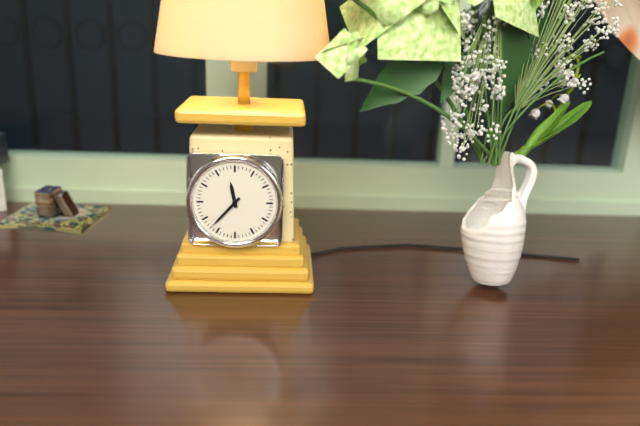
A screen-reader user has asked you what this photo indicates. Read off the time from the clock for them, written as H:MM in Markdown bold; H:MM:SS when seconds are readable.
**11:37**
